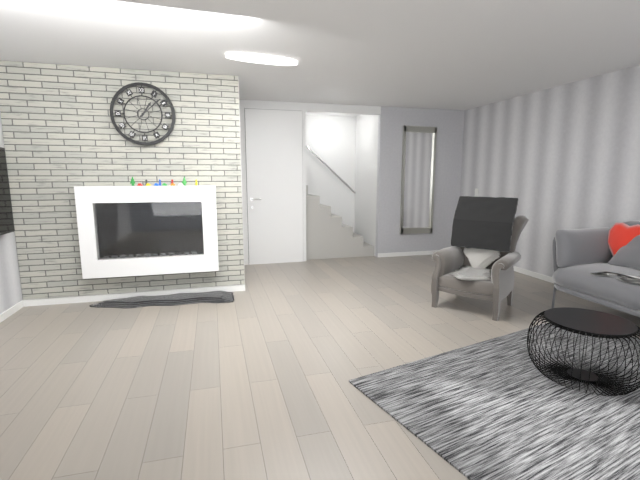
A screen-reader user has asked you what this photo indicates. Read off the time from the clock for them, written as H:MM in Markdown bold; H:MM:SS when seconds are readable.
**1:08**
